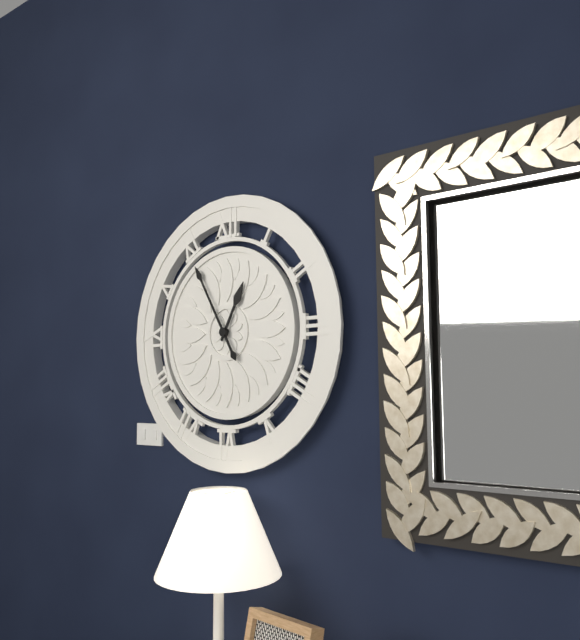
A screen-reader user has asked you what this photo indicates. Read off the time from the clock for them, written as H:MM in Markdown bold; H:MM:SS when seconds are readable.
**12:55**
